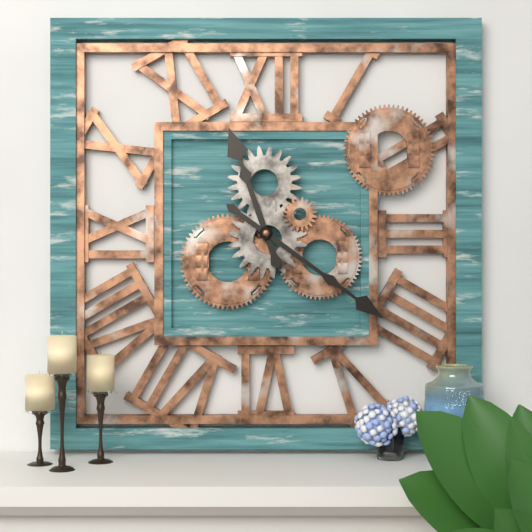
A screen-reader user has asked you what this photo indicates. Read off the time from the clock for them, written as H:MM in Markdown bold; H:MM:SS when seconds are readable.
**11:21**
